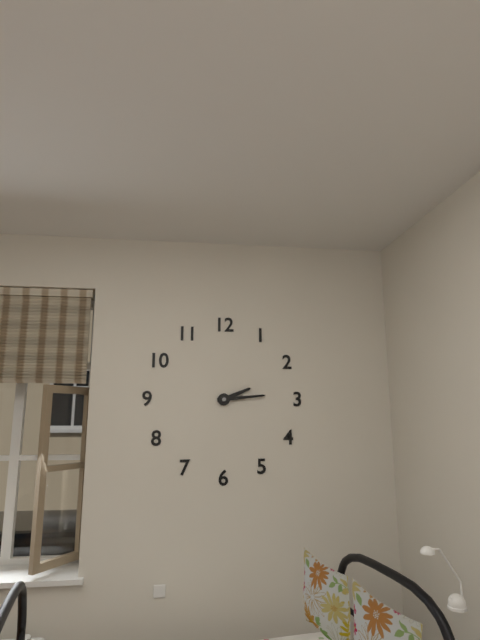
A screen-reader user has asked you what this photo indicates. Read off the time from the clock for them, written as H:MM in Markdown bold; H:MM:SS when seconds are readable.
**2:14**
